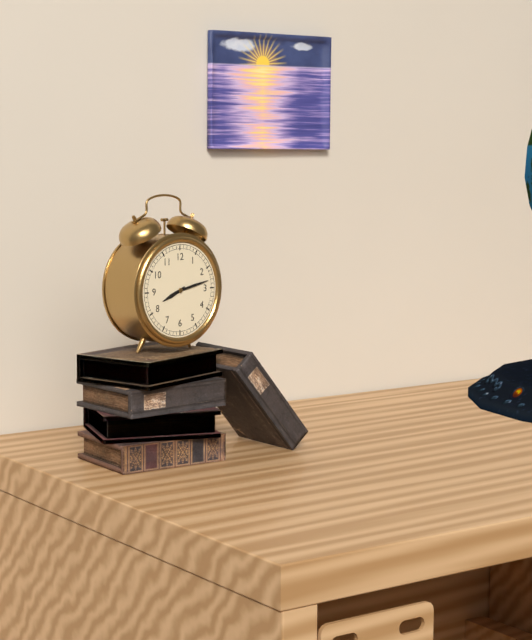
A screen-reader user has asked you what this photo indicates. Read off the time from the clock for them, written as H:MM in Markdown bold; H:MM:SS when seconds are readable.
**8:13**
